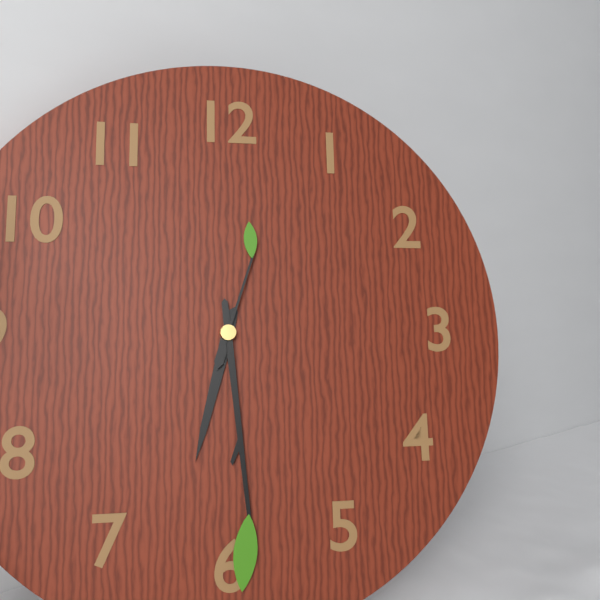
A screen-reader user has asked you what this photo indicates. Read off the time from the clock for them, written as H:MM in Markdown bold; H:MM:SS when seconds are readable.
**6:29:03**
